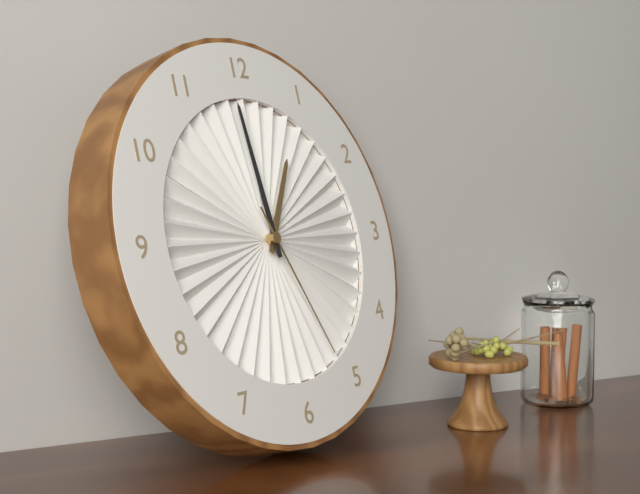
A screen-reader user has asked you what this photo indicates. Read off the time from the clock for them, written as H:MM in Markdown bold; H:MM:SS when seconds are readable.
**12:59:26**
